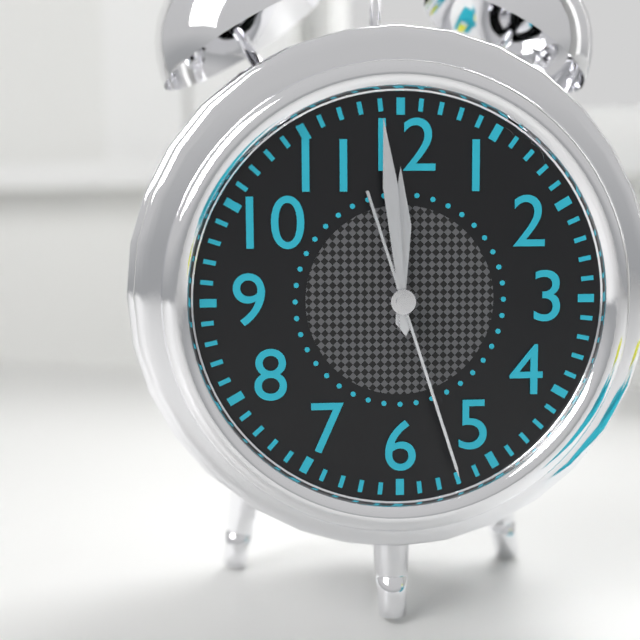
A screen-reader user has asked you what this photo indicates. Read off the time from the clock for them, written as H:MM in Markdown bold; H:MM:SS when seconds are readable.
**11:59:27**
